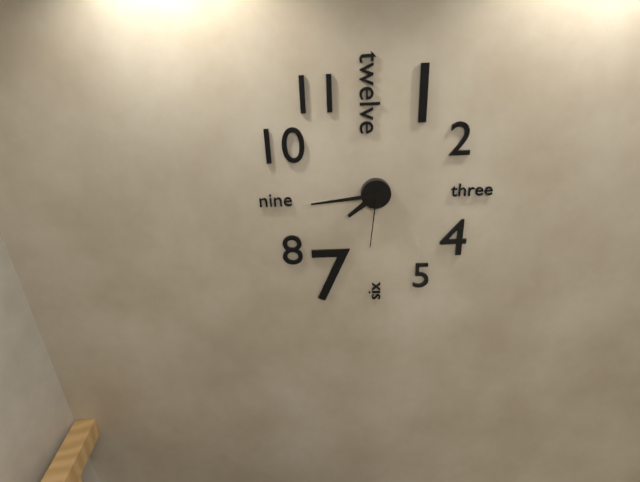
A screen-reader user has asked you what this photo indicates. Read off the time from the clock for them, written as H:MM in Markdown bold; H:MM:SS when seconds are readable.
**7:44:31**
